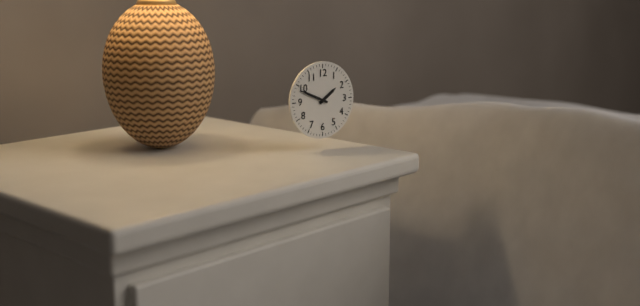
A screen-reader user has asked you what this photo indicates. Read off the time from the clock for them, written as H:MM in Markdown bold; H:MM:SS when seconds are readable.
**1:49**
